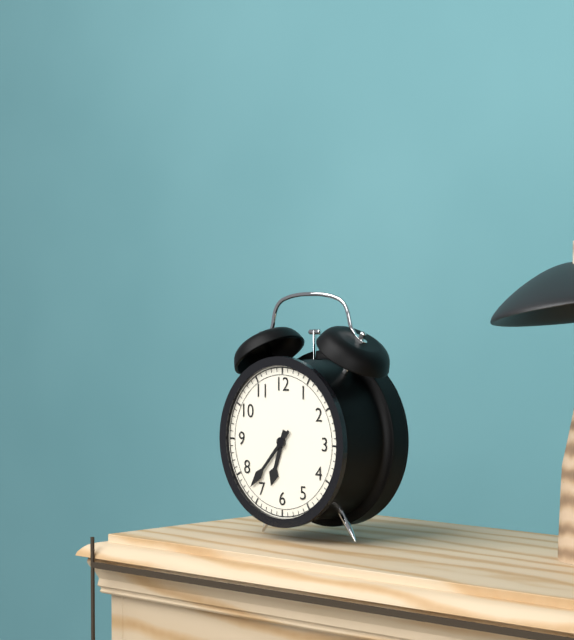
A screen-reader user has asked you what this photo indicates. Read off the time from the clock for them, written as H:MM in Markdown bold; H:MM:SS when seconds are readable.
**6:37**
